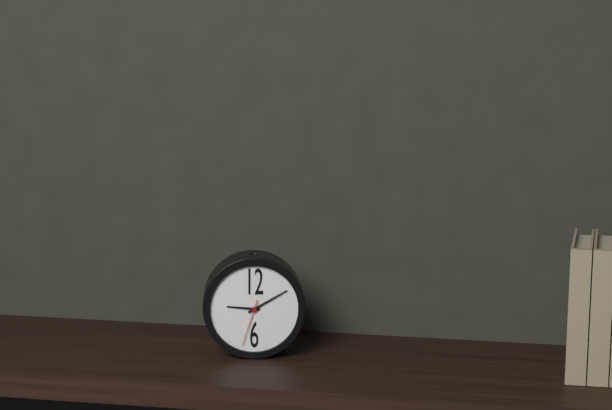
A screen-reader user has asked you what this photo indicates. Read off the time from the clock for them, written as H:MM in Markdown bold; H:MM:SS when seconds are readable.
**9:10**
